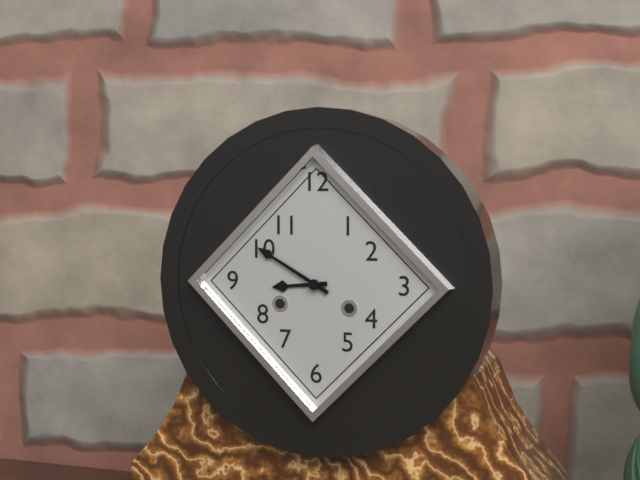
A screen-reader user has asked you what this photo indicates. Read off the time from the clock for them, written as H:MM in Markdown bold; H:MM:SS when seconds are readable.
**8:50**
